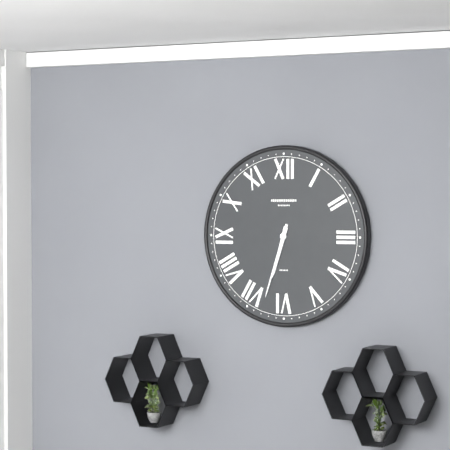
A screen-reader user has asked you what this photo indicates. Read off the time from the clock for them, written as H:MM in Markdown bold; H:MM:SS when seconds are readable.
**6:33**
